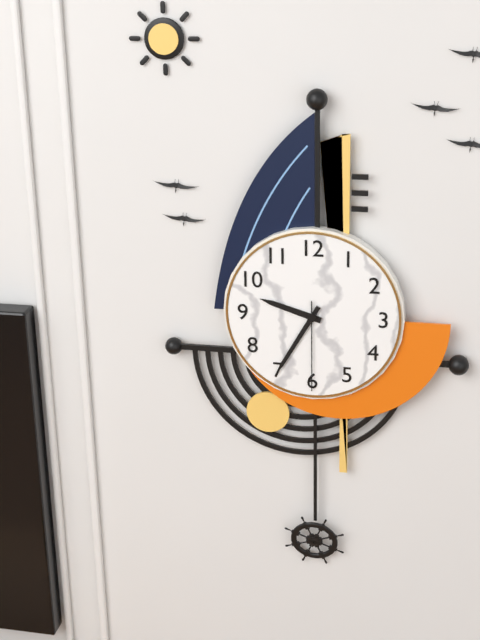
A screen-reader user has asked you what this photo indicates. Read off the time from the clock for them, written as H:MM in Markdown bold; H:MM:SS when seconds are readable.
**9:35:30**
